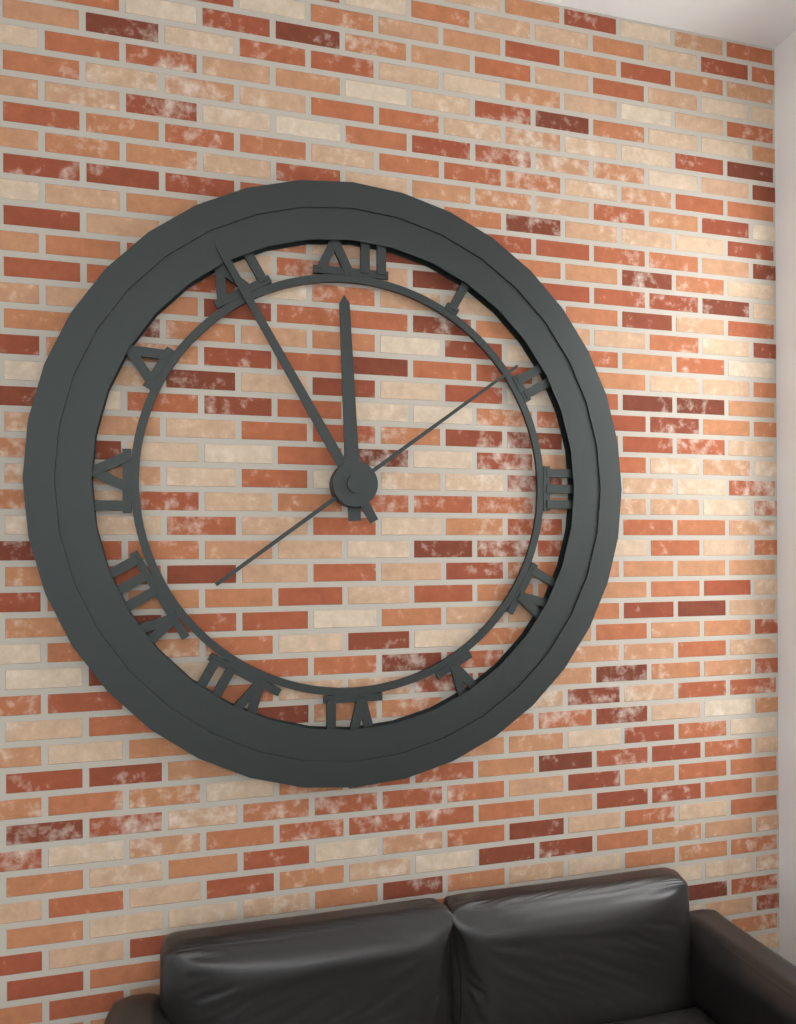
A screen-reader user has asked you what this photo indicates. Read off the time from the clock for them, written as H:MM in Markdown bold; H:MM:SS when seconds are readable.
**11:55:09**
